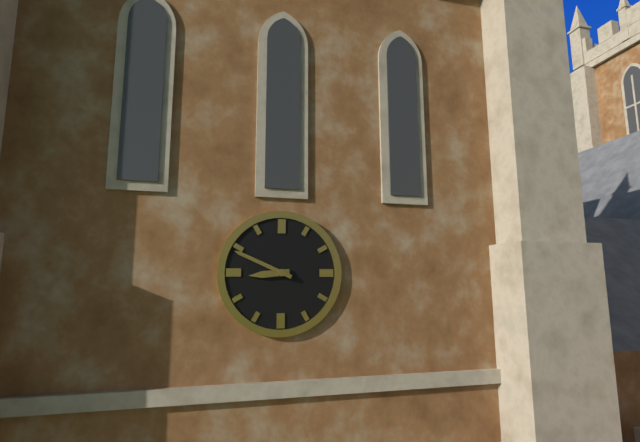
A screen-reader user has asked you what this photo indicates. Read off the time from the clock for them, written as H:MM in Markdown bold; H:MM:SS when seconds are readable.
**8:49**
